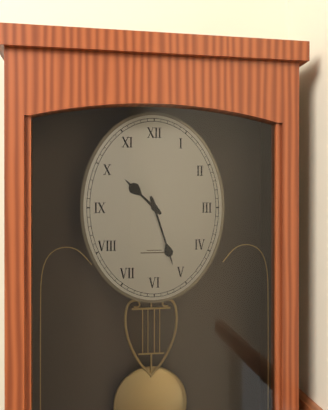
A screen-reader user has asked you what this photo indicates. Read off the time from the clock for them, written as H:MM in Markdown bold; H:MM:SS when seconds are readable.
**10:27**
